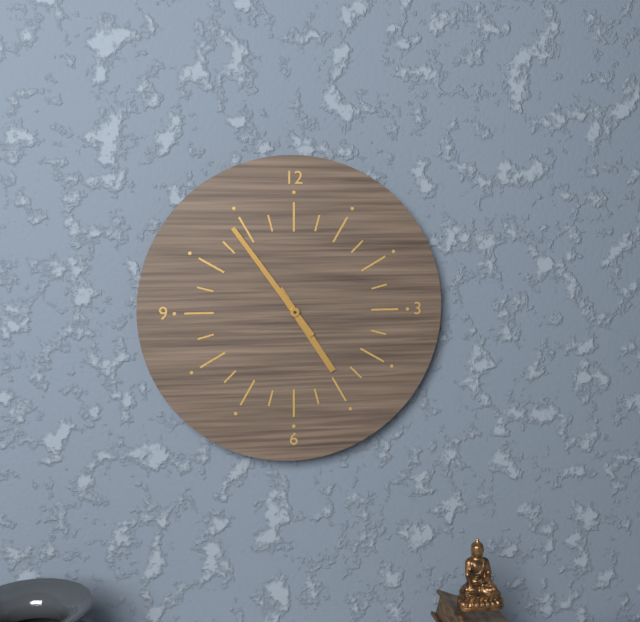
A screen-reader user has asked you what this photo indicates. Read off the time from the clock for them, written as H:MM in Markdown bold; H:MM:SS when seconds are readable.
**4:54**
